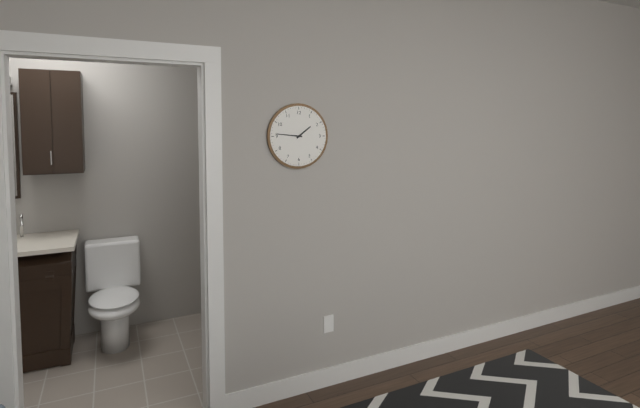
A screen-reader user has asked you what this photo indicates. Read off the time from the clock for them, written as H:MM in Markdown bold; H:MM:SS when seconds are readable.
**1:46**
